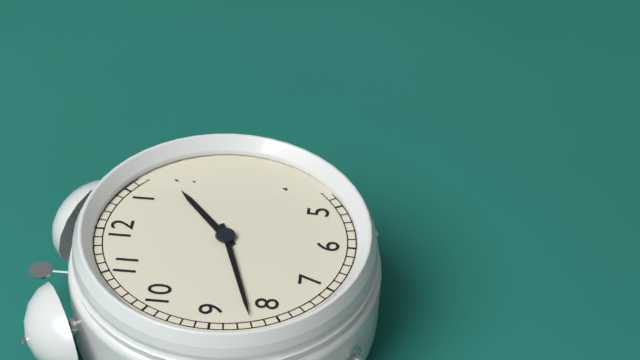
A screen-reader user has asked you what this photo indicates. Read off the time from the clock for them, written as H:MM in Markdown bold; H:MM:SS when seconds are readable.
**1:42**
